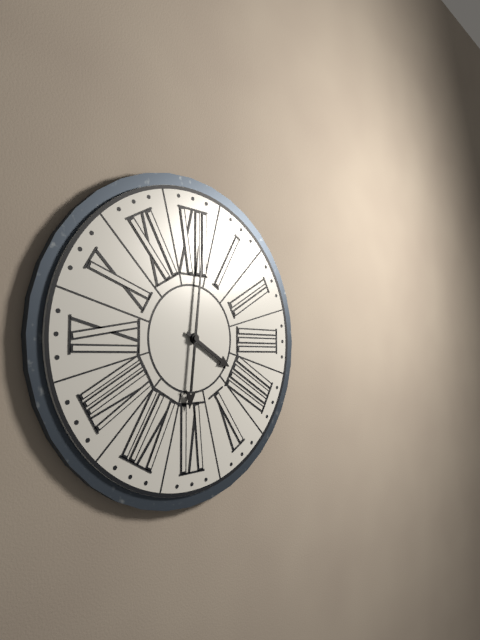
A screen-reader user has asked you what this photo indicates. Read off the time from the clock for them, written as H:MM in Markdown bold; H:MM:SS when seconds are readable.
**4:01**
